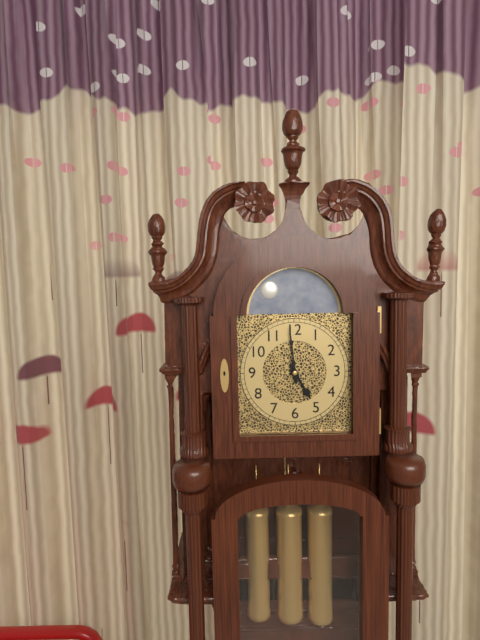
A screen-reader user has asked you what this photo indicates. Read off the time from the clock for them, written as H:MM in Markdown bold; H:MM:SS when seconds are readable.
**4:59**
